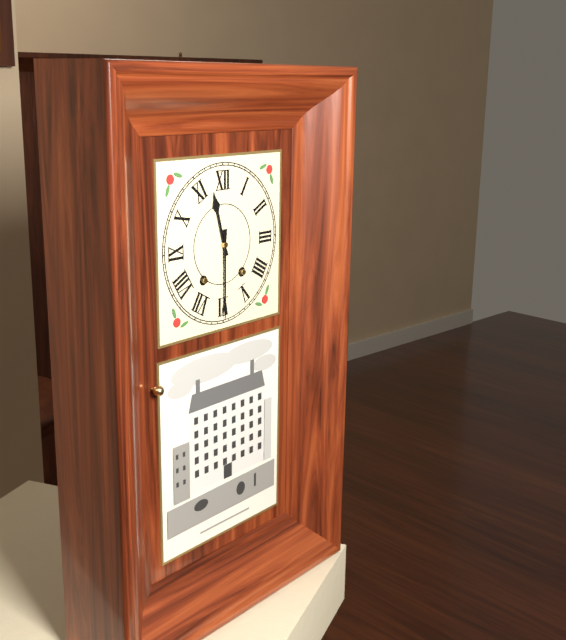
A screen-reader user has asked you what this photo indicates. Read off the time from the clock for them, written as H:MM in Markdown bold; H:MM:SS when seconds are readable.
**11:30**
